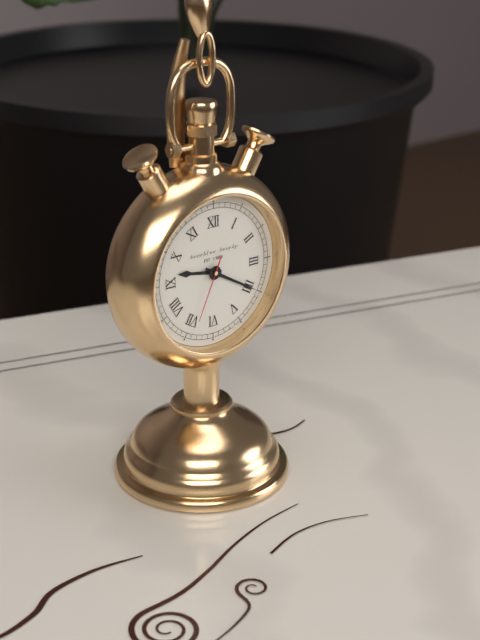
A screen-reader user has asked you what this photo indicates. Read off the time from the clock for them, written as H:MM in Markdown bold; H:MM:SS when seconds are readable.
**9:20:34**
